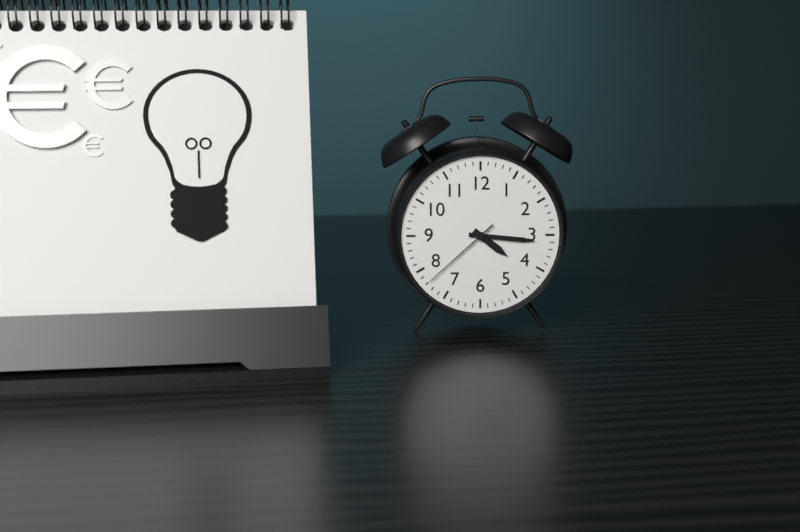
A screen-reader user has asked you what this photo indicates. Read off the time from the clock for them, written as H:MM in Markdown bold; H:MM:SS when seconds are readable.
**4:16:38**
